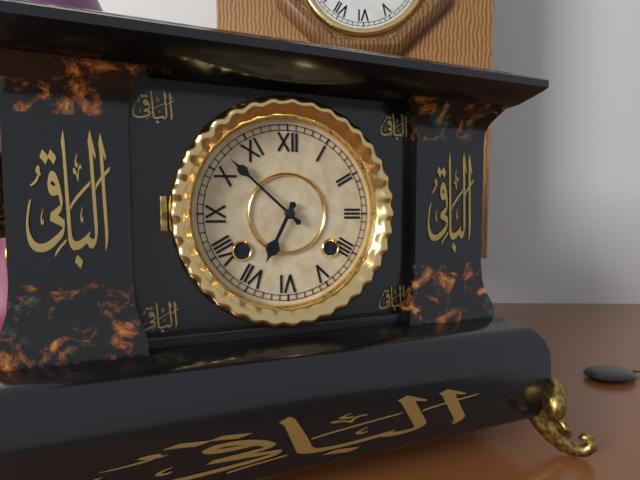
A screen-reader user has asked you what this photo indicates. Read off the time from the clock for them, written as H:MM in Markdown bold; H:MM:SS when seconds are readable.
**6:52**
